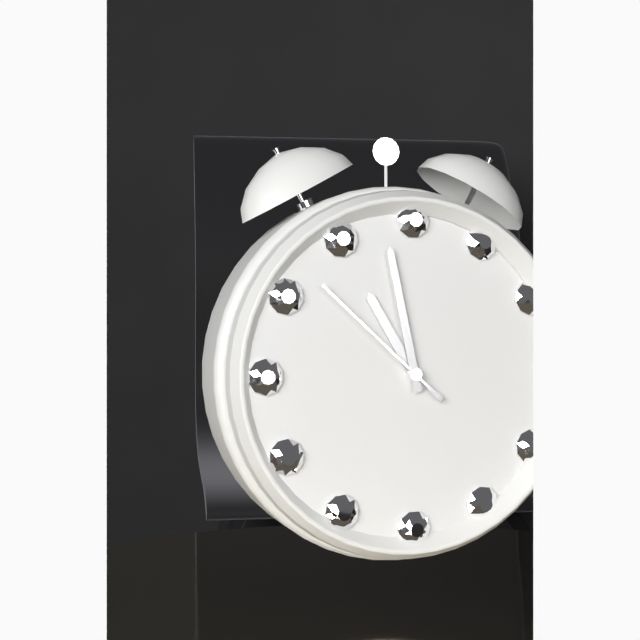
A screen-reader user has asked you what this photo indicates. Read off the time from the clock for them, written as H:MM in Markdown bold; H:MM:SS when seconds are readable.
**10:58:52**
